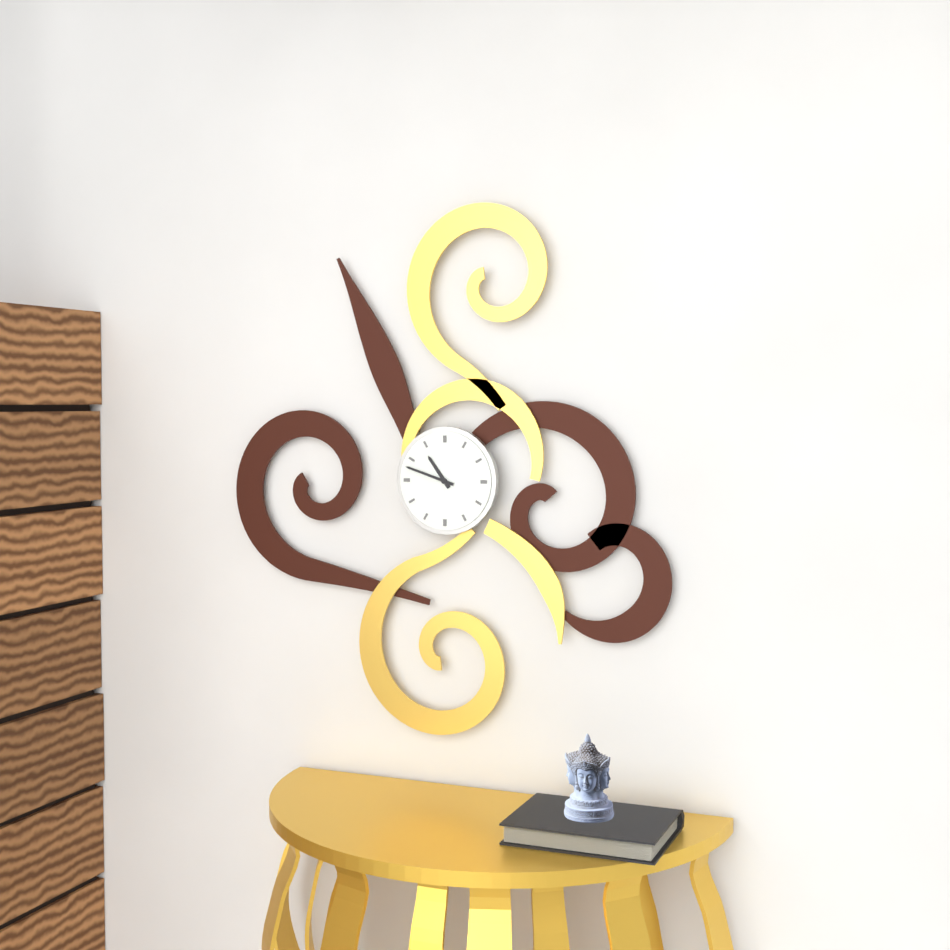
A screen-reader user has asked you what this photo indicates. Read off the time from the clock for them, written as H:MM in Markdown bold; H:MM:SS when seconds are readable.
**10:48**
